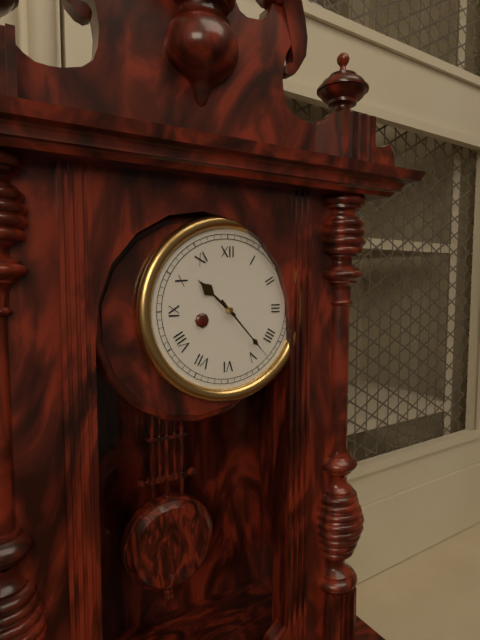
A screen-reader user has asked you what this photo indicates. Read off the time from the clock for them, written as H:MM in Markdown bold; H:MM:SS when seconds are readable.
**10:23**
